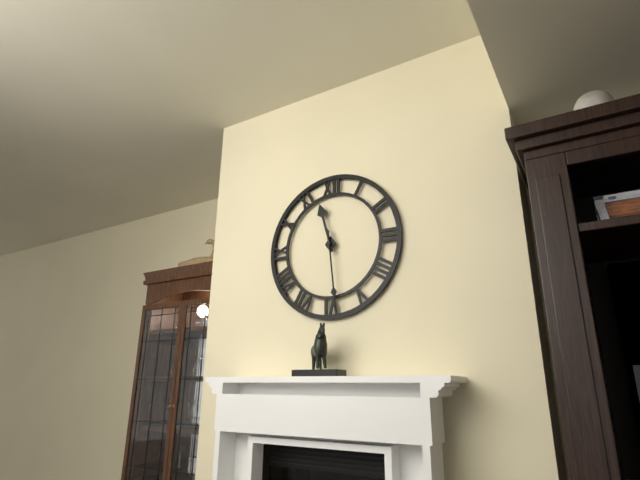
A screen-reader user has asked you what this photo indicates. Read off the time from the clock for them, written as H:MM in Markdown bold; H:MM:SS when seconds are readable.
**11:29:29**
